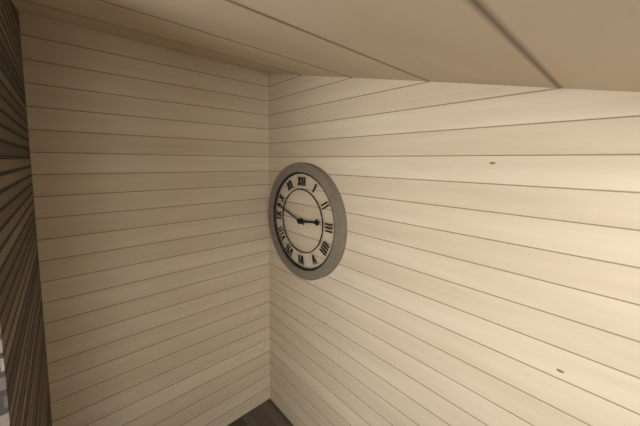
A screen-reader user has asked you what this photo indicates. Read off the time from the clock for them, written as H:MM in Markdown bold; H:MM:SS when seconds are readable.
**2:48**
